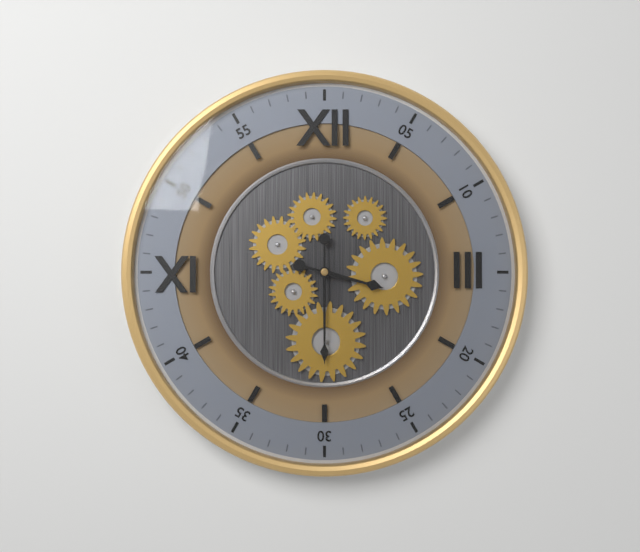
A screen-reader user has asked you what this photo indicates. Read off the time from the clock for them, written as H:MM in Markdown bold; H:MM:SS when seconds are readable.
**3:30**
